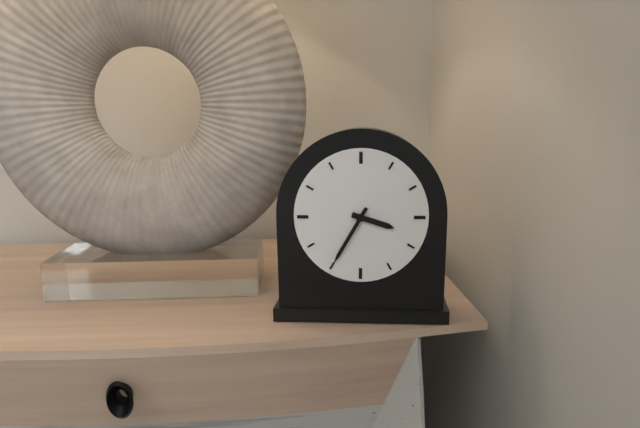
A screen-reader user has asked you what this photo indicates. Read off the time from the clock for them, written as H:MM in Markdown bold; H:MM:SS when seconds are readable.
**3:35**
